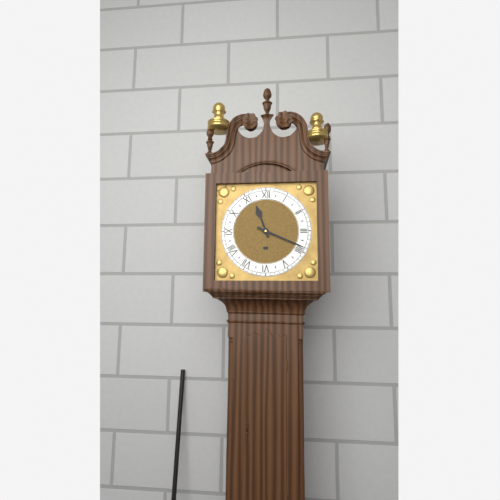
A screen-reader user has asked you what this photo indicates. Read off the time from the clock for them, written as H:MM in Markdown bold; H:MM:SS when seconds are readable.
**11:19**
